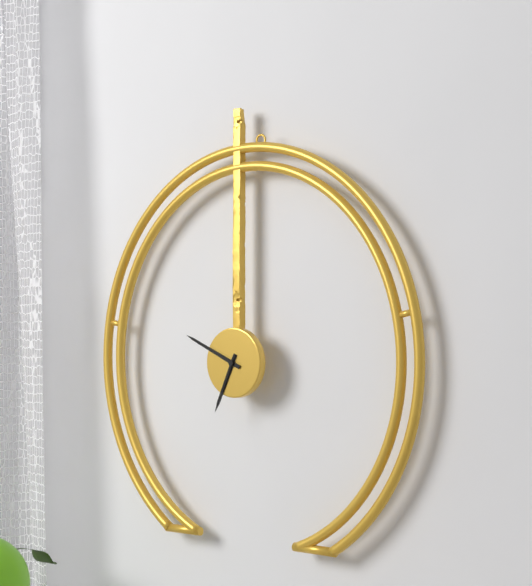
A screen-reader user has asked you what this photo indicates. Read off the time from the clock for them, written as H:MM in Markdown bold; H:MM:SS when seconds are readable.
**6:49**
